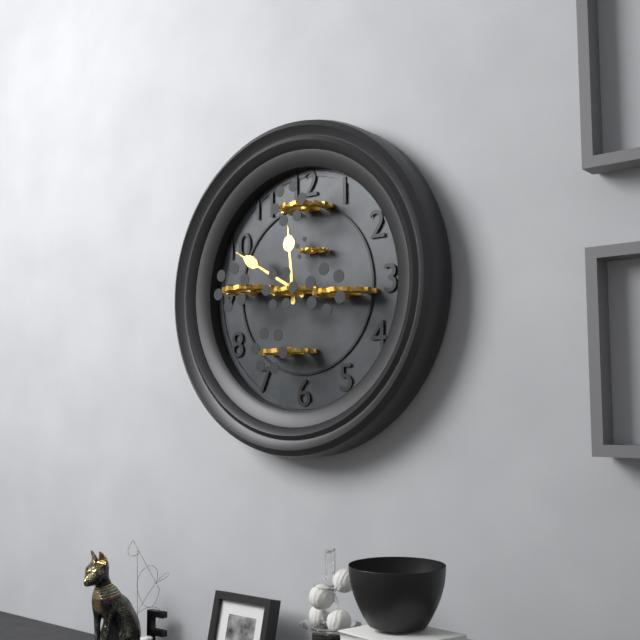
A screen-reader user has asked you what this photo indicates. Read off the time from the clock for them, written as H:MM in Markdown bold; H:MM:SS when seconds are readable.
**11:50**
